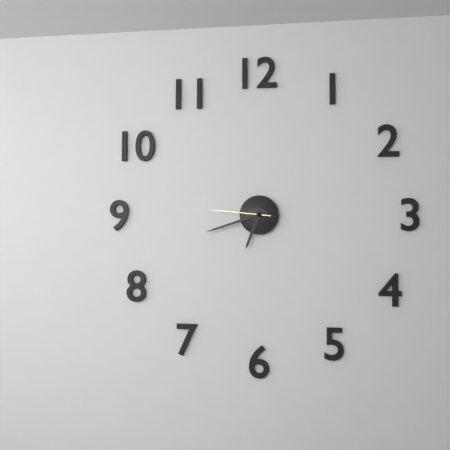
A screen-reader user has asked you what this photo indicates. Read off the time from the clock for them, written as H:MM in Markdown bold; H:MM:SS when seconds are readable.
**6:42:46**
